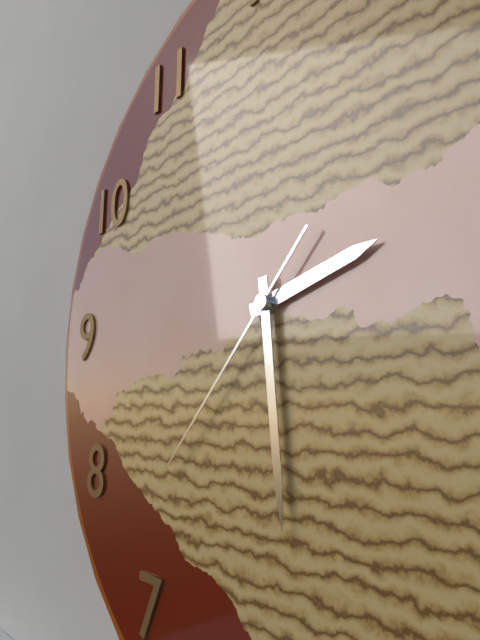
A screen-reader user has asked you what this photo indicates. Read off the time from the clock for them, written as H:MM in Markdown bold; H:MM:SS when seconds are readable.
**2:29:37**
